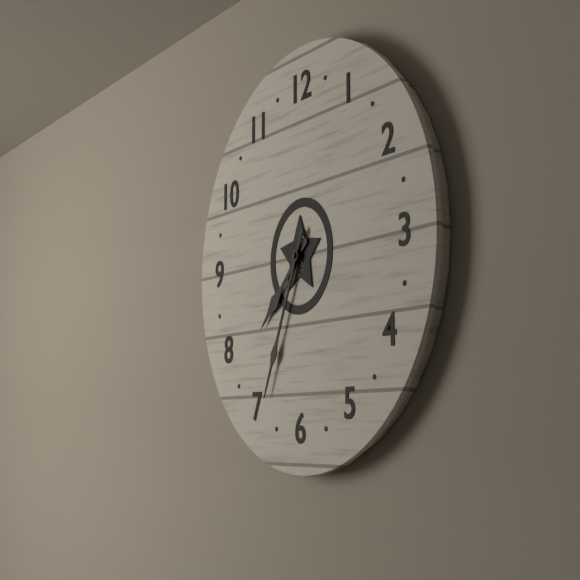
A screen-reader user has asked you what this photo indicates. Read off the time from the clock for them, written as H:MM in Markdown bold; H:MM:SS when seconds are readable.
**7:34**
